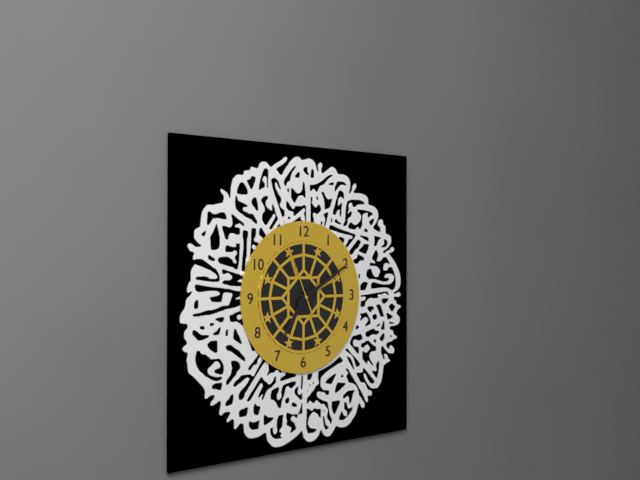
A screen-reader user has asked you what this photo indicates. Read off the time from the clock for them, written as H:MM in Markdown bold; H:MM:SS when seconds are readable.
**7:10:56**
